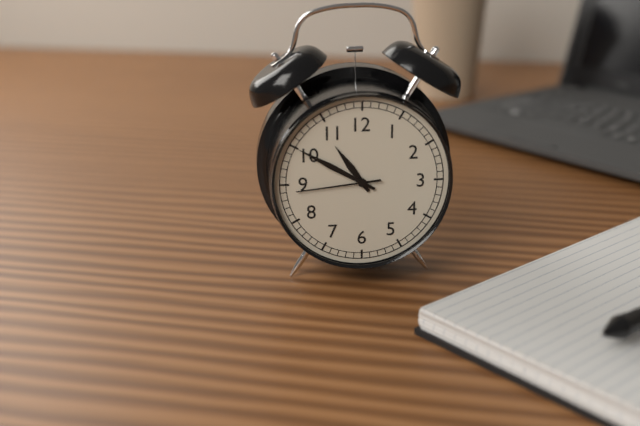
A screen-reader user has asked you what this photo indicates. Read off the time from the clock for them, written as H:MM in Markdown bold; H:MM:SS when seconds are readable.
**10:50:44**
